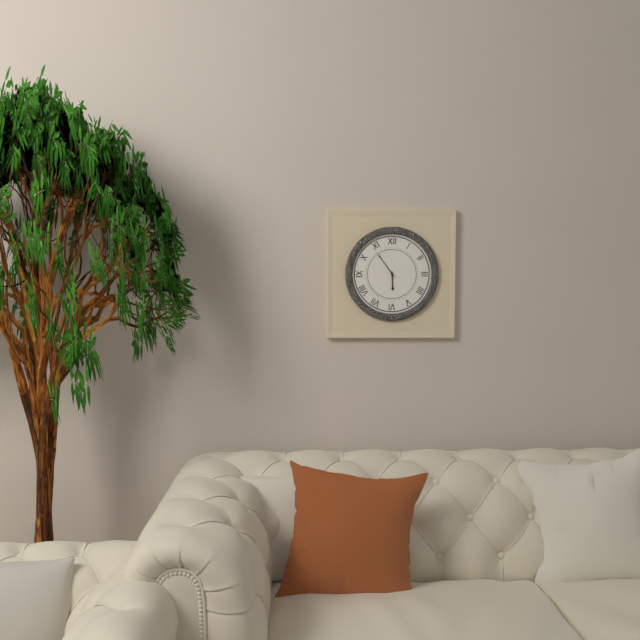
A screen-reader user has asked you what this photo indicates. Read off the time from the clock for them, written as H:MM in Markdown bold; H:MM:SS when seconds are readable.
**5:54**
